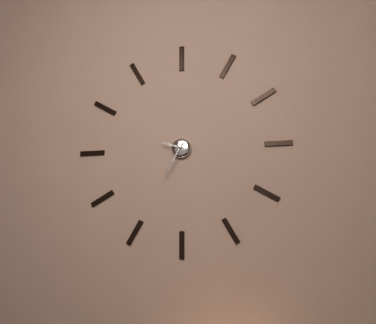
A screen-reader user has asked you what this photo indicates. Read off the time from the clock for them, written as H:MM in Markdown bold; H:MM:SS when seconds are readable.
**9:35**
